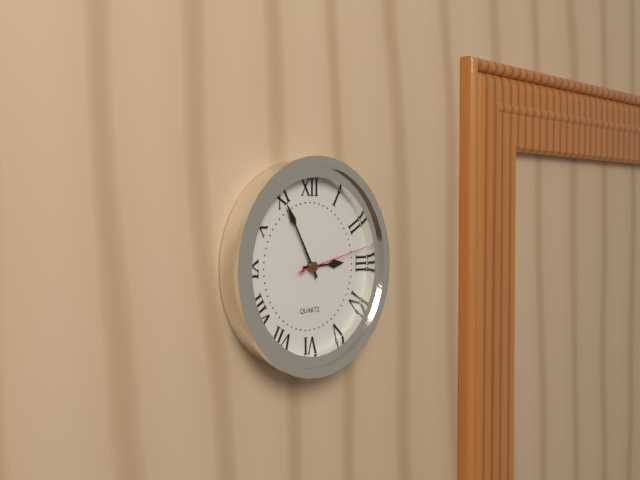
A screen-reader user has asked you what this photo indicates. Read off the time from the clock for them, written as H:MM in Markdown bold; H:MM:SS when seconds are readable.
**2:55:13**
